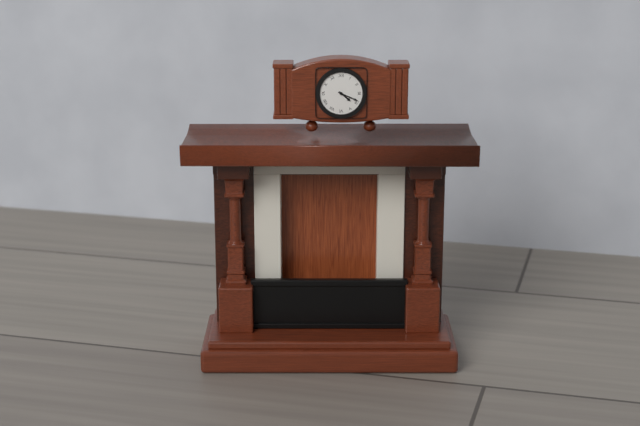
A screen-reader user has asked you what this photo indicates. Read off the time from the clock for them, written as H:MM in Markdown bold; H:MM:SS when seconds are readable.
**4:19**
